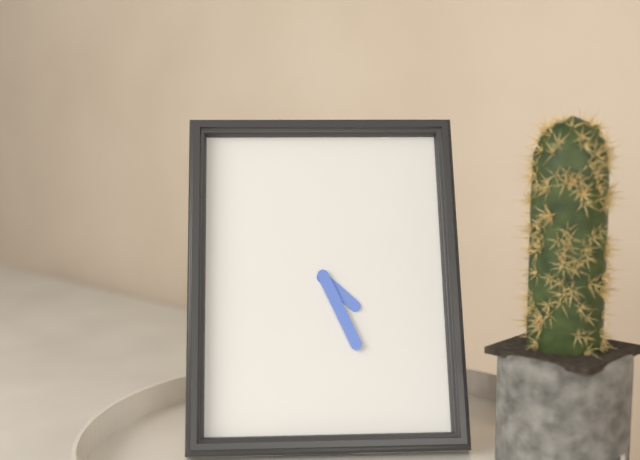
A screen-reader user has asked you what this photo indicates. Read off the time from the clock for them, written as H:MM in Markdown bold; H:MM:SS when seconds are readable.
**4:26**
